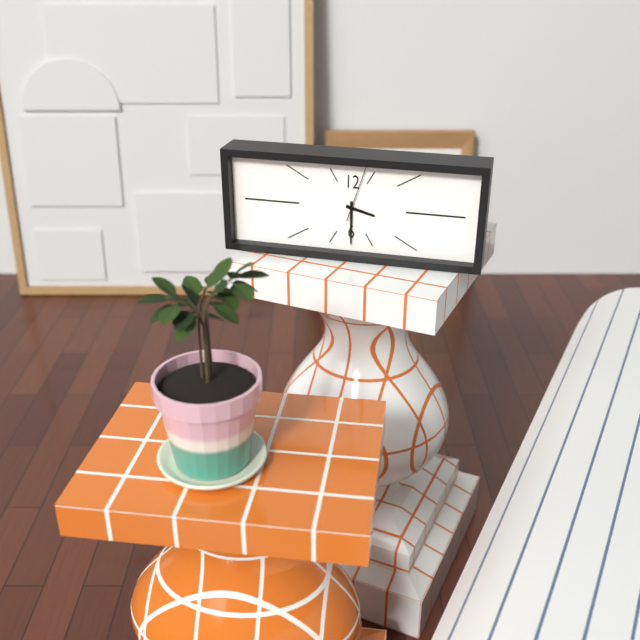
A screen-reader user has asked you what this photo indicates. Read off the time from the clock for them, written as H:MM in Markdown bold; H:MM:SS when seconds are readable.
**3:30:03**
